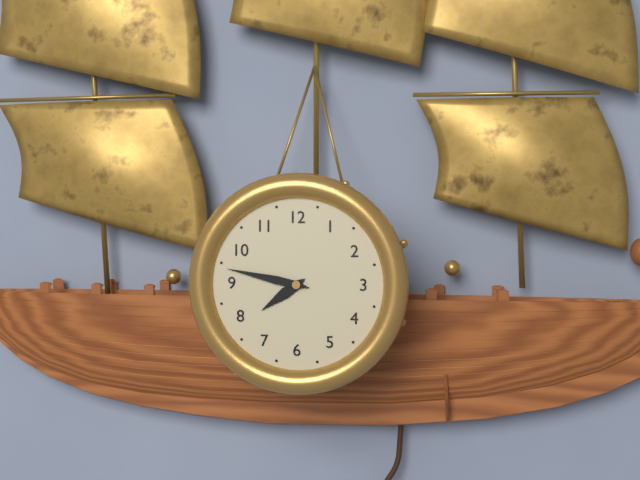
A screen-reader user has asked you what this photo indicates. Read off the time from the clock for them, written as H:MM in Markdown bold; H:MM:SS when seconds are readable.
**7:47**
